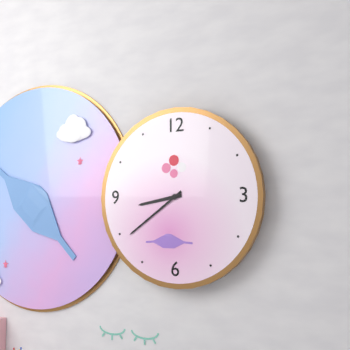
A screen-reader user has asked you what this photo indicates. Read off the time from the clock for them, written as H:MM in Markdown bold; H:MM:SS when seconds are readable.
**8:39**
